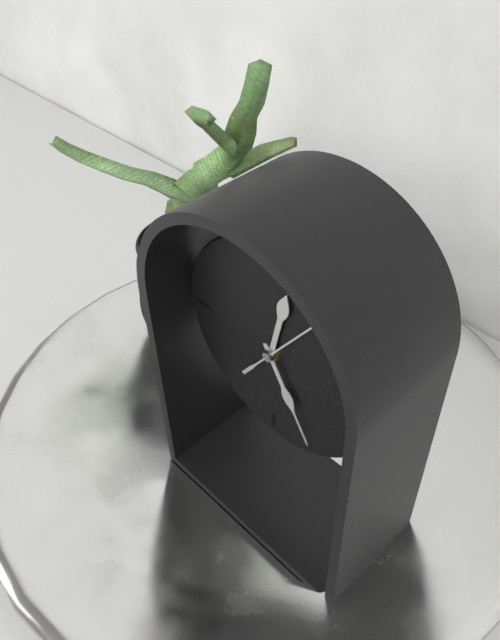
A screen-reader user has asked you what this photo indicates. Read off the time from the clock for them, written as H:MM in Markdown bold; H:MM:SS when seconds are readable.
**12:25:06**
